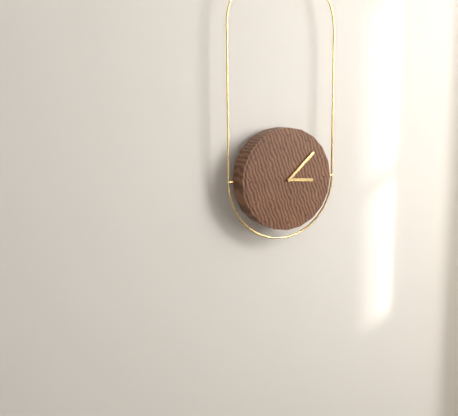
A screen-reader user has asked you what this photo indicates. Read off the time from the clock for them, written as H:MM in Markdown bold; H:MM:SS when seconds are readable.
**3:08**
